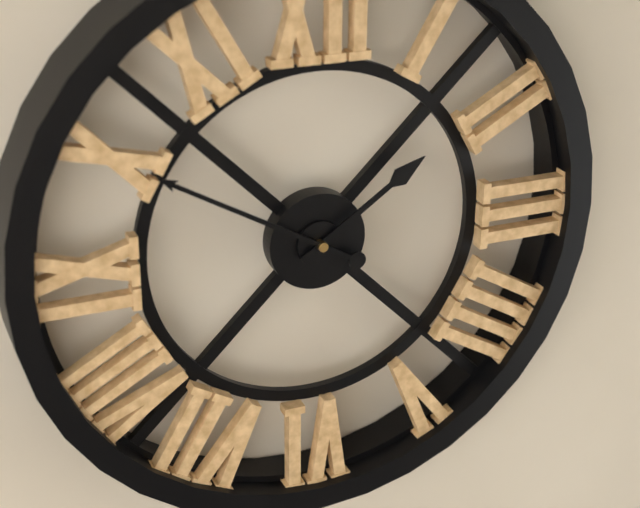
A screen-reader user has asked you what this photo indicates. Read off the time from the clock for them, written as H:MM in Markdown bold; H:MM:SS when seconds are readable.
**1:50**
